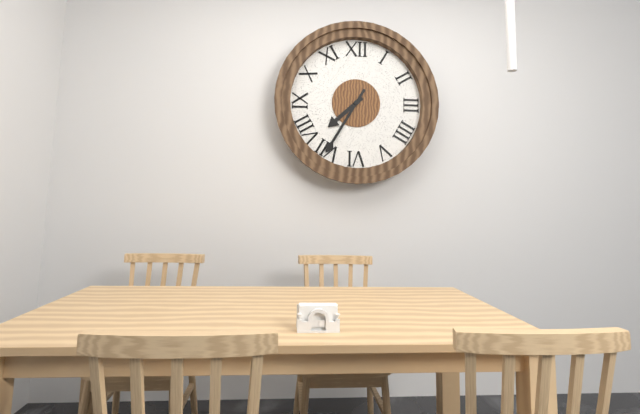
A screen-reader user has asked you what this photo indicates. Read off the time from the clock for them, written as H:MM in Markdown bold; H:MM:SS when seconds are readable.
**7:35**
